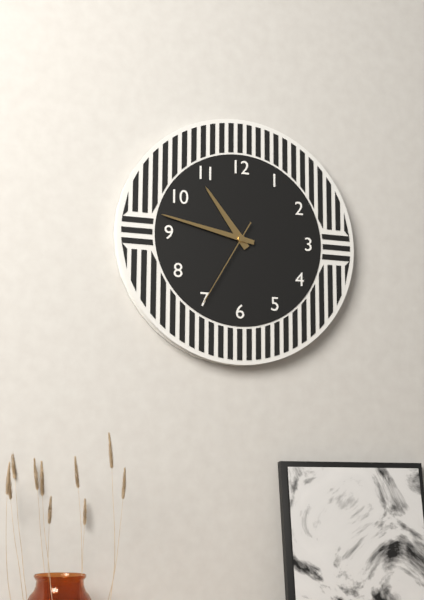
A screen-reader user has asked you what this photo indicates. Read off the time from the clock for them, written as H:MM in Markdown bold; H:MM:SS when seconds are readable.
**10:47:35**
